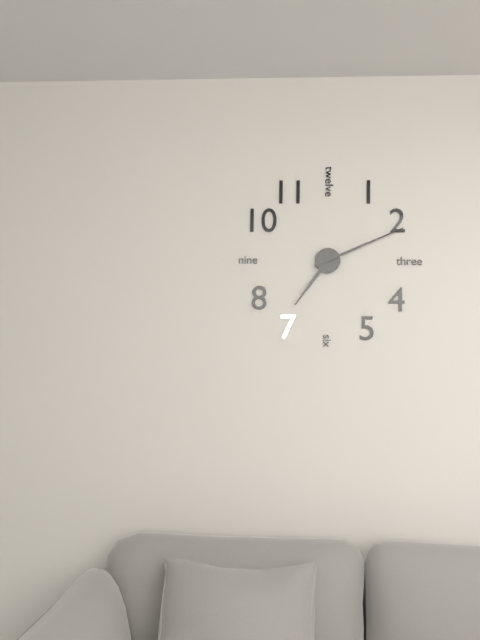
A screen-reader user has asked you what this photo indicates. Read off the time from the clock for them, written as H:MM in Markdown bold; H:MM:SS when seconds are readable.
**7:11**
